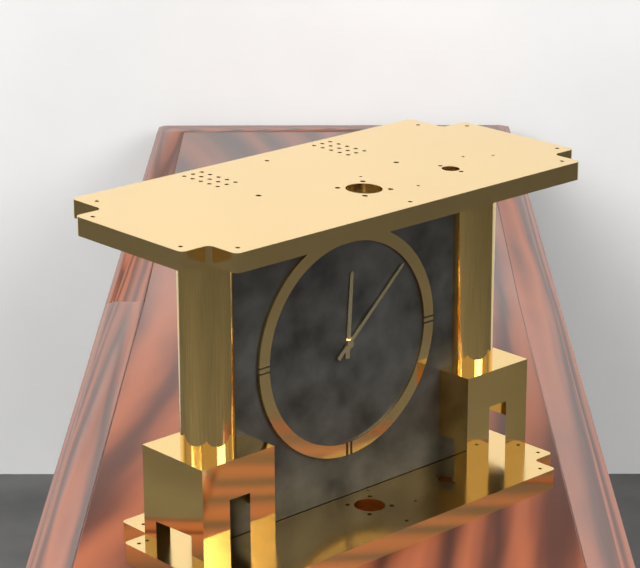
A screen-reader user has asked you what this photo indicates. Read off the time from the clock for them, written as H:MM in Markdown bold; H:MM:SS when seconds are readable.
**12:08**
